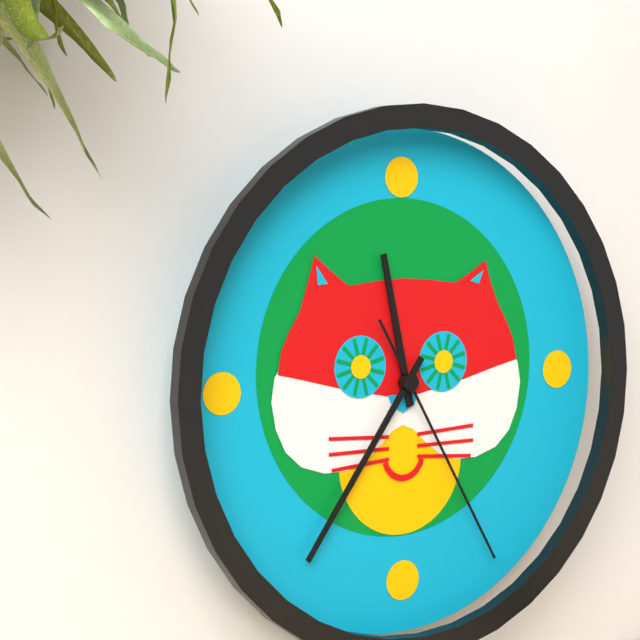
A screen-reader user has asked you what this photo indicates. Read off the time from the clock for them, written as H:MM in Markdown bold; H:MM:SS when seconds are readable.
**11:36:25**
